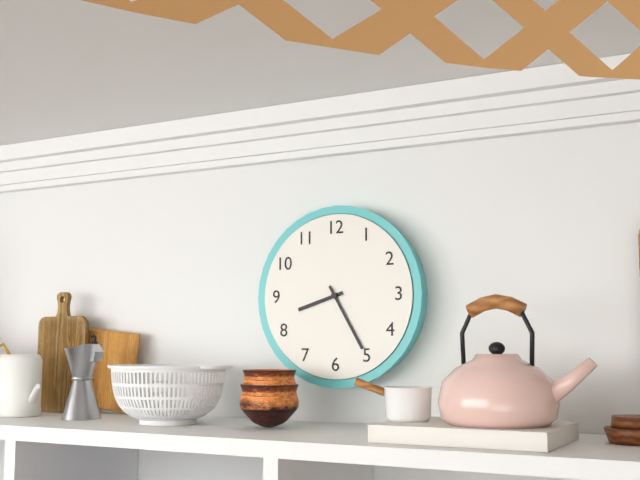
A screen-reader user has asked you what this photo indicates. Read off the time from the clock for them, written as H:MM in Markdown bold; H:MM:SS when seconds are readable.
**8:25**
